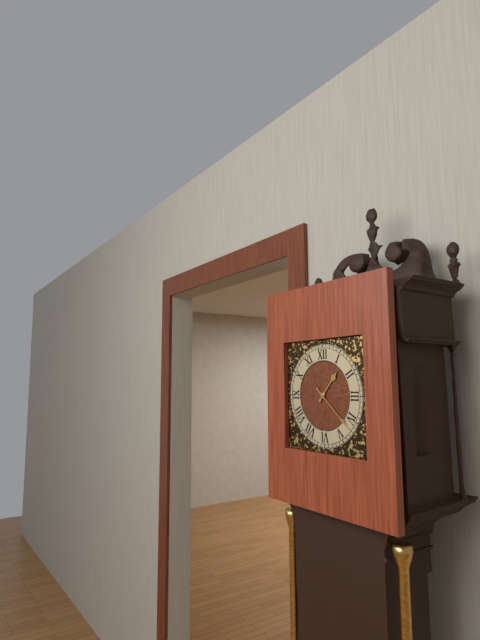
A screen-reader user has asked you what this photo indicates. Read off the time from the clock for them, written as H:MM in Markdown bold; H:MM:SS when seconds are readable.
**1:22**
